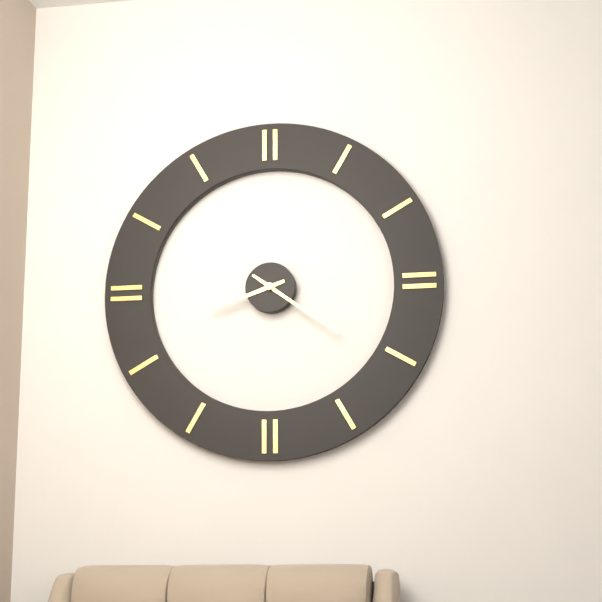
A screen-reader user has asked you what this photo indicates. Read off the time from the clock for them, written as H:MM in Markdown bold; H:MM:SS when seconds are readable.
**8:21**
